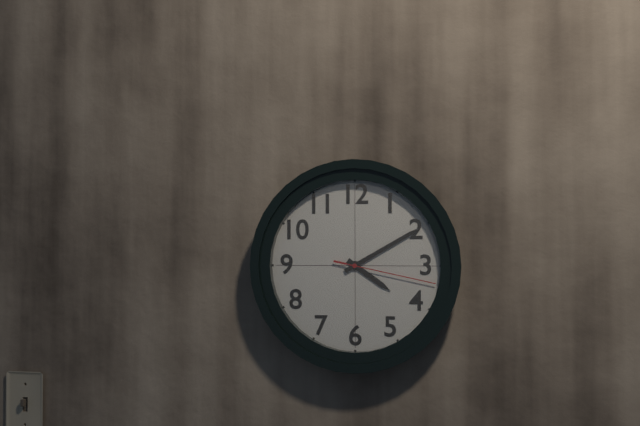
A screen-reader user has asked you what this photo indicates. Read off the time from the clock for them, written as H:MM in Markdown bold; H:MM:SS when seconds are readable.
**4:10:17**
